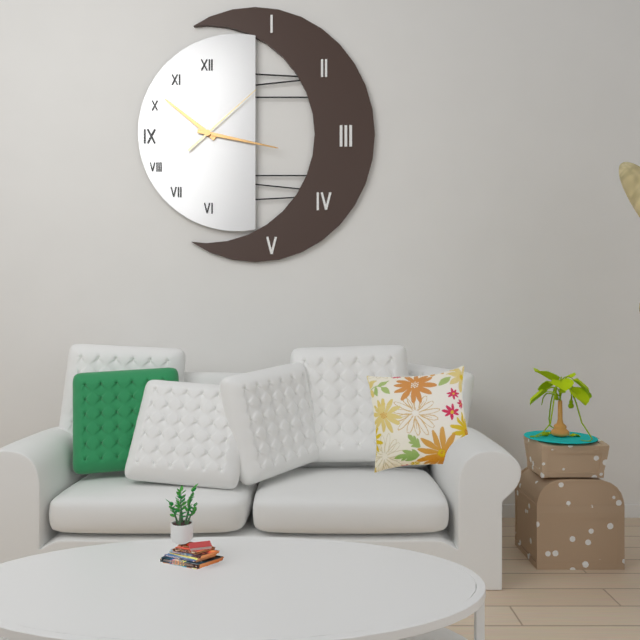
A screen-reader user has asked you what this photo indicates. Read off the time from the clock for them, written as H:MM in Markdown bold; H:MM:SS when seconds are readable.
**10:17:08**
